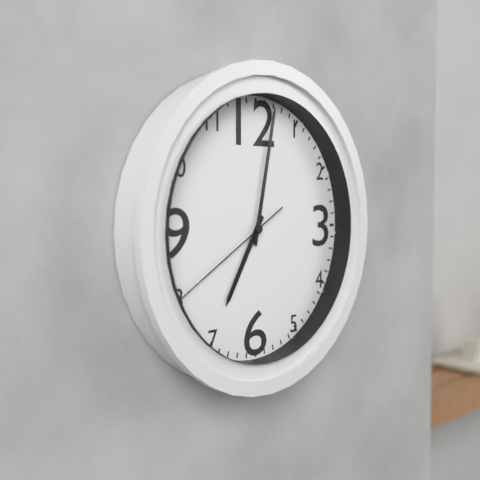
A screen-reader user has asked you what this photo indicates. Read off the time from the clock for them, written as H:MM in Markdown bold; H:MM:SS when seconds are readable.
**7:02:40**
